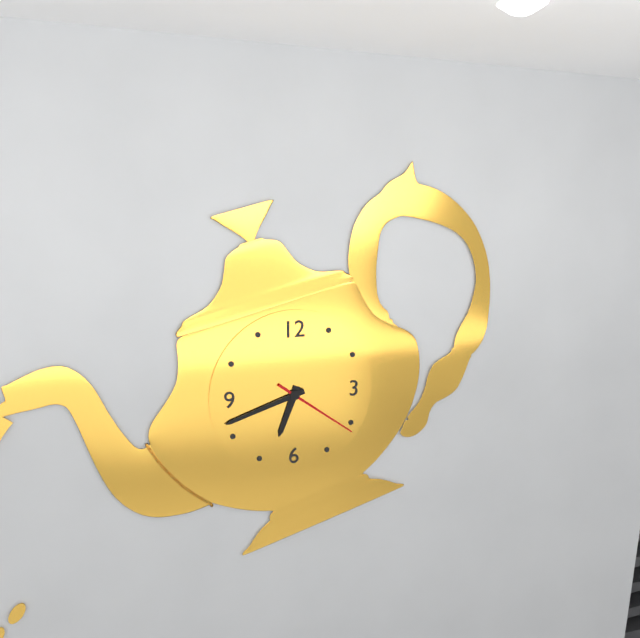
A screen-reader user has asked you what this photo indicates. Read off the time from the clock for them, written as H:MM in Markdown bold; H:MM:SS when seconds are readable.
**6:42:21**
